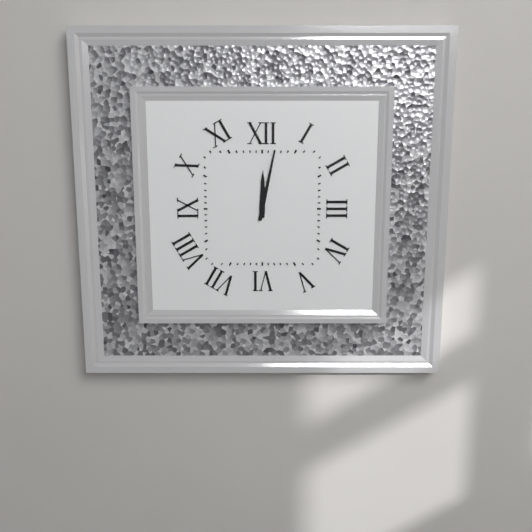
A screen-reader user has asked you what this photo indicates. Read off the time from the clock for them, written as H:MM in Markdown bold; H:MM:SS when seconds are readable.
**12:02**
